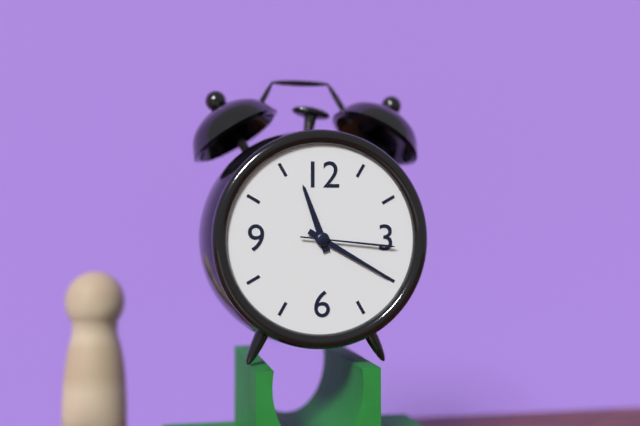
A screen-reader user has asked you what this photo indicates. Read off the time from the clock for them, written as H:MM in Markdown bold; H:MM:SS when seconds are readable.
**11:20:16**
